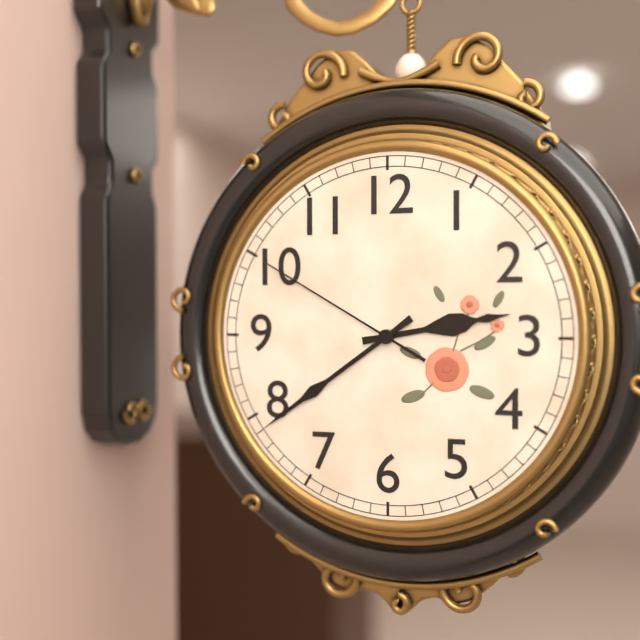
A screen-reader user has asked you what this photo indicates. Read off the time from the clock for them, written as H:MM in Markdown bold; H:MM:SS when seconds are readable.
**2:39:50**
